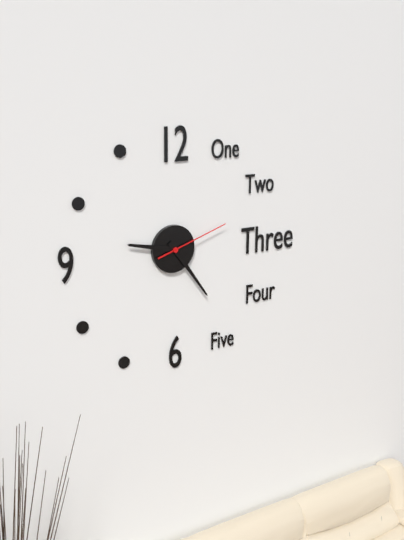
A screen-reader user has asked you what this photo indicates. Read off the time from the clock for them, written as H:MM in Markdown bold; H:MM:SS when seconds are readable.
**9:24:12**
